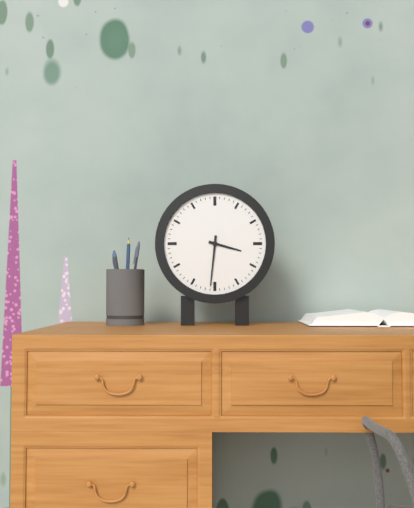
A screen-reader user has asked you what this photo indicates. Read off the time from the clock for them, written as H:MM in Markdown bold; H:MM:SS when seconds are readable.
**3:31**
